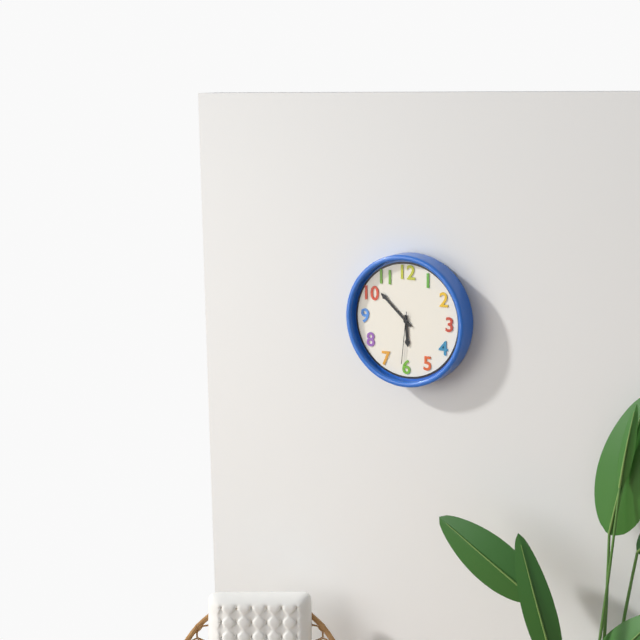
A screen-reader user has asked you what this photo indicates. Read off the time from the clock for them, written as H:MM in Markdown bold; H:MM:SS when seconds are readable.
**5:52:31**
